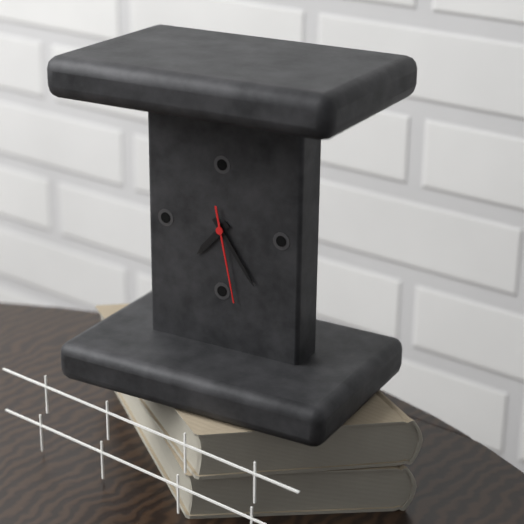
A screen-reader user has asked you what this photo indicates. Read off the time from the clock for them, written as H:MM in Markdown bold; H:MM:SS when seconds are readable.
**7:24:28**
